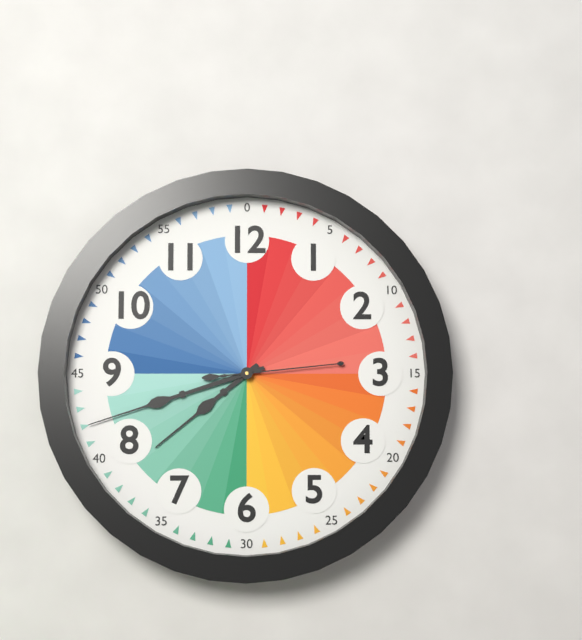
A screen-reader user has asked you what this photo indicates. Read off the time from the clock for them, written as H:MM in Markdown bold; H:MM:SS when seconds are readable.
**7:42:14**
